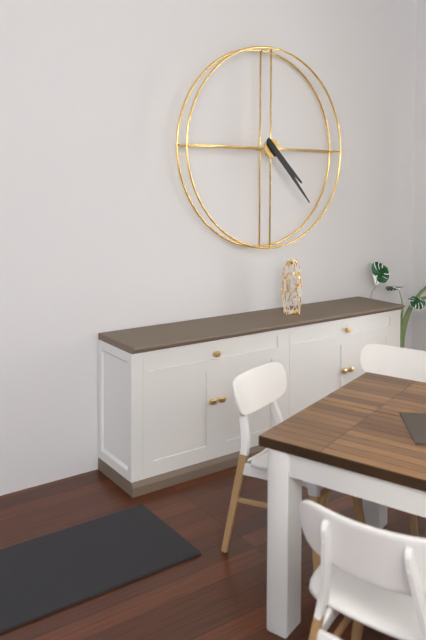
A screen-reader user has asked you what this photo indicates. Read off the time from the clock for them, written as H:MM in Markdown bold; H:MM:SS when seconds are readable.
**4:23**
